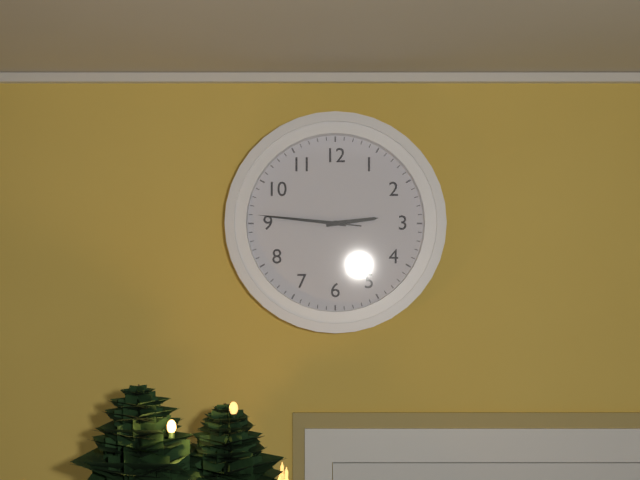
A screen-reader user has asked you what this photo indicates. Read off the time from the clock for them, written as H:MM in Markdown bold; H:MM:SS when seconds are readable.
**2:46:46**
